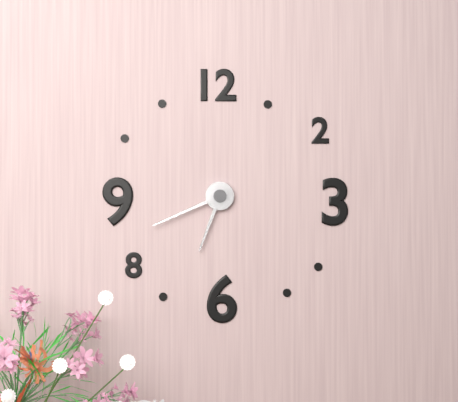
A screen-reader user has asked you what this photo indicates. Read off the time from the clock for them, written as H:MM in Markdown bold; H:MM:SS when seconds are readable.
**6:41**
